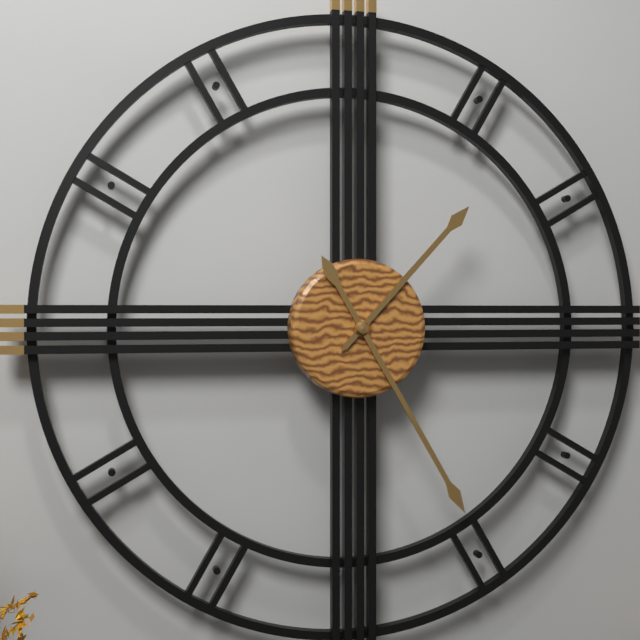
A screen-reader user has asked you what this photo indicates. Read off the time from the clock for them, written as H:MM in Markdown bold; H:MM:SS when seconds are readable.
**1:25**
